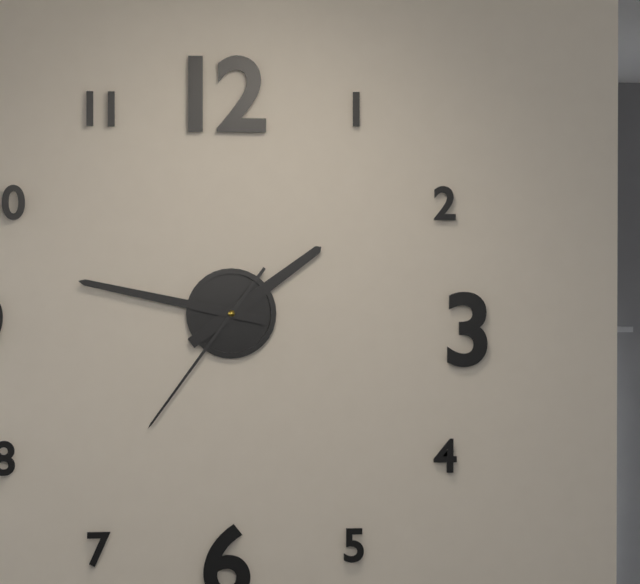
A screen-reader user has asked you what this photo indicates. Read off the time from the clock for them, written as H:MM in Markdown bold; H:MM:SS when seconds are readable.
**1:47:36**
